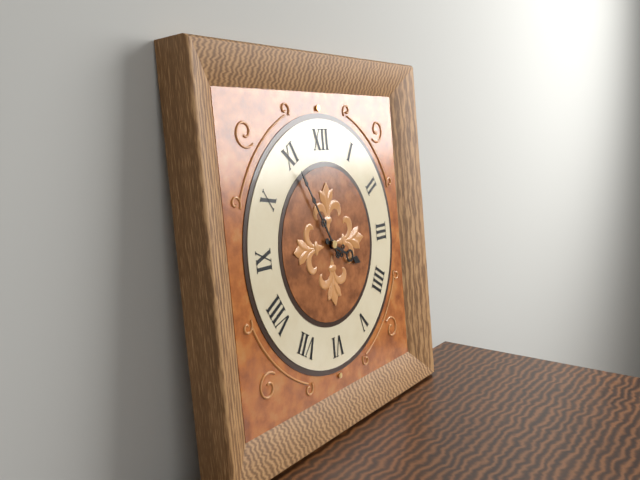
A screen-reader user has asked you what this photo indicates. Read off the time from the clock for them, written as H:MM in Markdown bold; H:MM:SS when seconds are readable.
**3:55**
